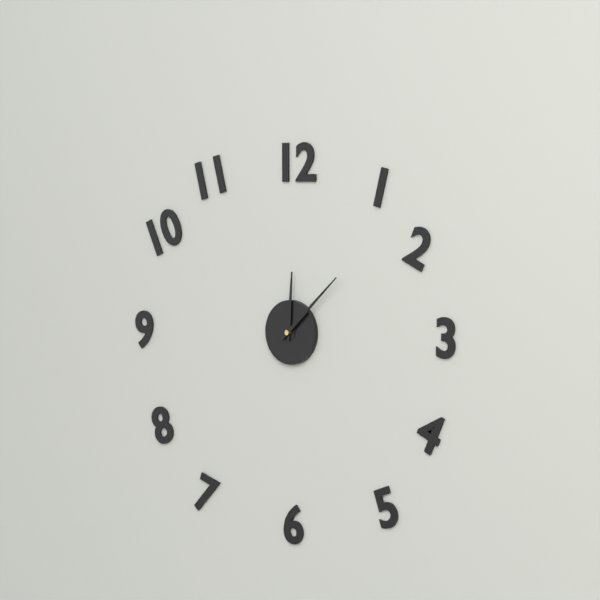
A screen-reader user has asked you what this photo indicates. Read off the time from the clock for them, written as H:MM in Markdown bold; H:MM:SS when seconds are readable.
**12:08**
